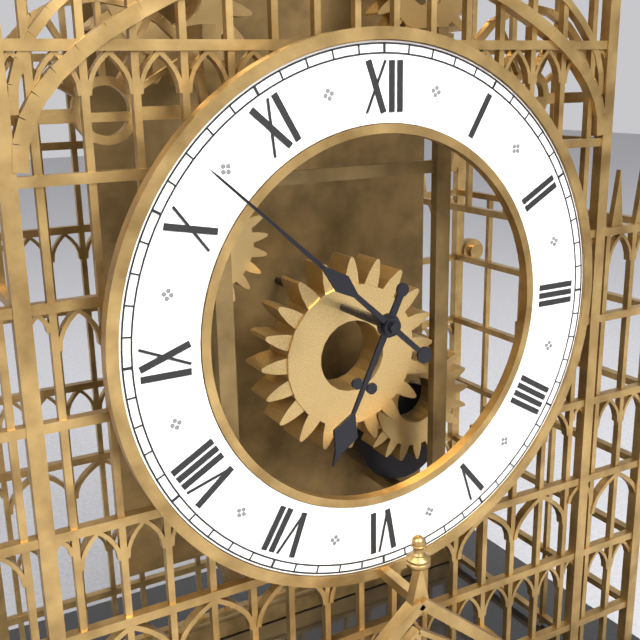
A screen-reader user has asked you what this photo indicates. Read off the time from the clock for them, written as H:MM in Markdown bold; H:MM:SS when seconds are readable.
**6:52**
